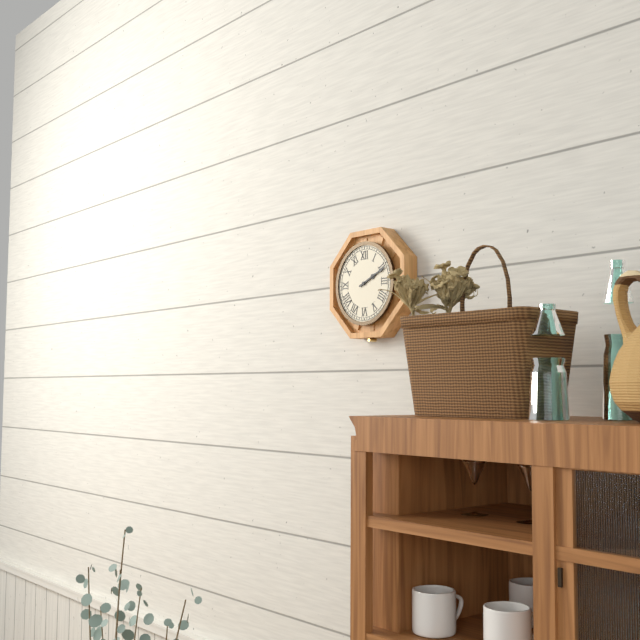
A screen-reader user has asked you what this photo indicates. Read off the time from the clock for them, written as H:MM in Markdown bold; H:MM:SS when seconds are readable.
**2:11**
